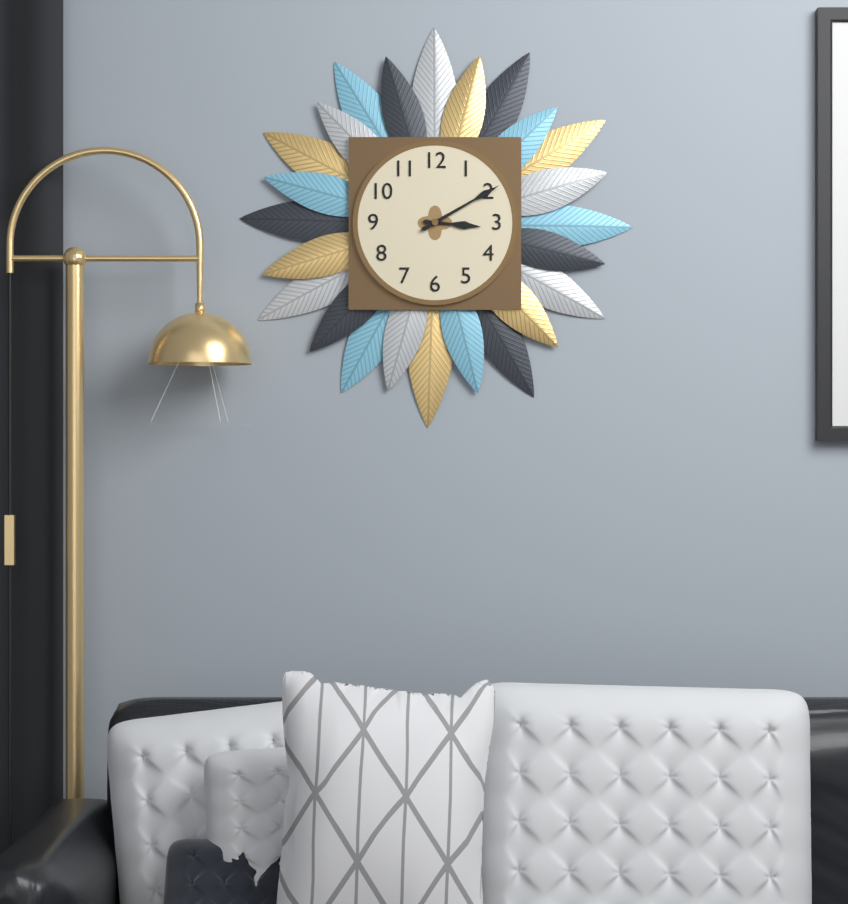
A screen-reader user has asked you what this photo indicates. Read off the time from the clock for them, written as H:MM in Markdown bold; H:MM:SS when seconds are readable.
**3:10**
